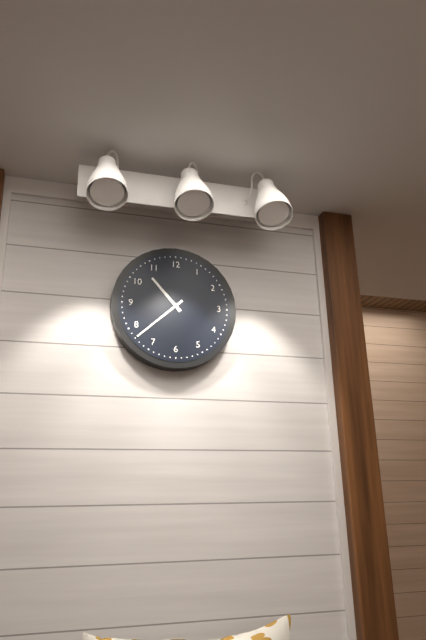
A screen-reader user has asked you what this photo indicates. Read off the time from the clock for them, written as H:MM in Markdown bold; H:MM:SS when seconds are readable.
**10:38**
